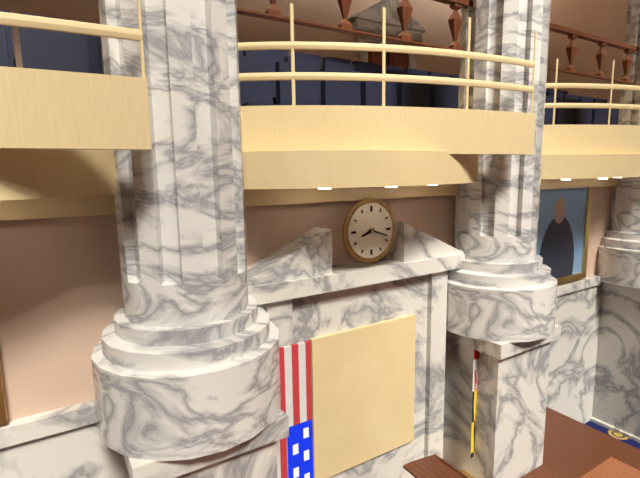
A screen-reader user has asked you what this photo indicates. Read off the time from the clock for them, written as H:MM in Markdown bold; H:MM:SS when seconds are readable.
**8:18**
